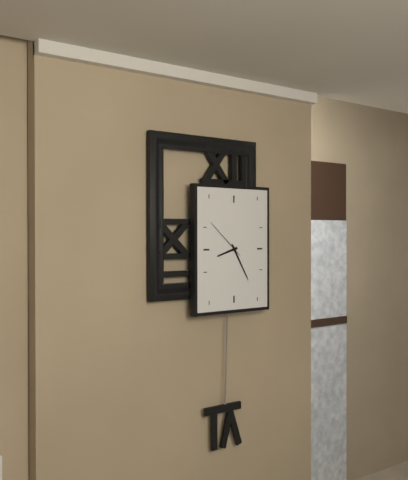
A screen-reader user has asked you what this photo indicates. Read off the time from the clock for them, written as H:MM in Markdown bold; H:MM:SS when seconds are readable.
**8:25**
